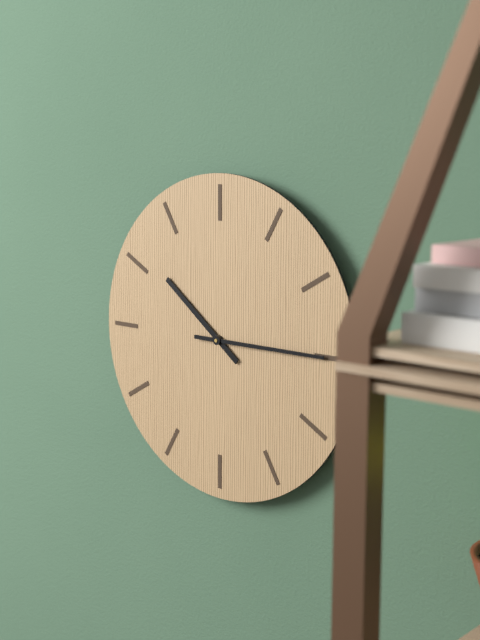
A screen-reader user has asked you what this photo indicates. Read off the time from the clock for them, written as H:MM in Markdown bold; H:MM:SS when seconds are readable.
**10:15**
